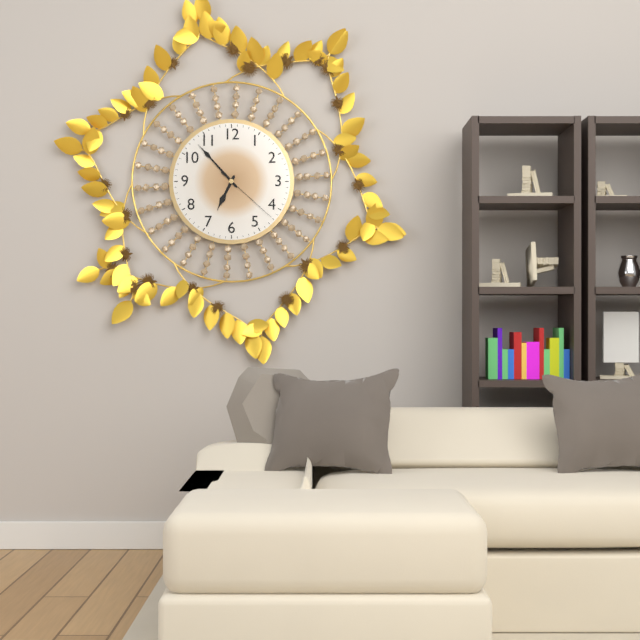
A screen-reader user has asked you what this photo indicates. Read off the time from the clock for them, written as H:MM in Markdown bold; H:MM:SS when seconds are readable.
**6:53:22**
